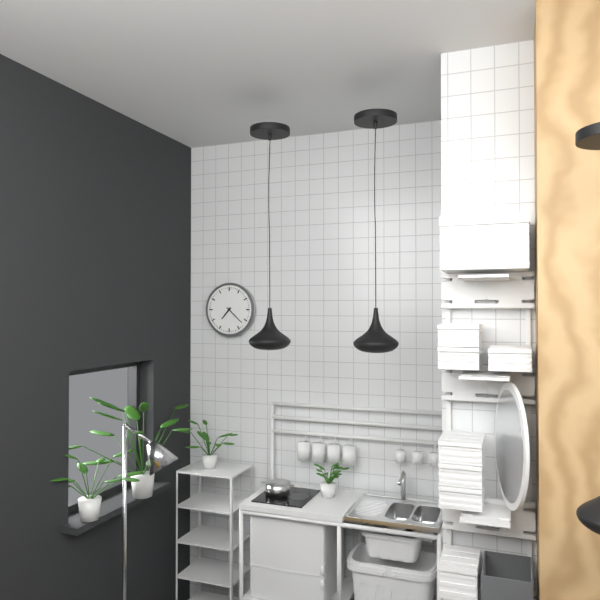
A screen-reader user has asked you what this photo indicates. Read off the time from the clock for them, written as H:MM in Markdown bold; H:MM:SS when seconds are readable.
**7:22**
